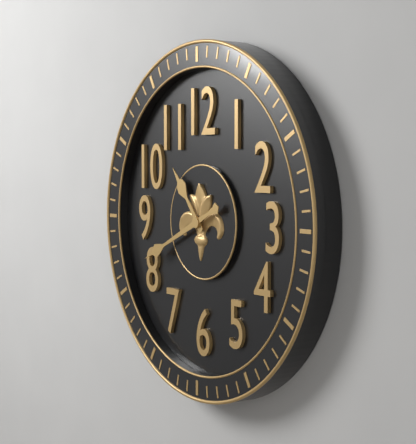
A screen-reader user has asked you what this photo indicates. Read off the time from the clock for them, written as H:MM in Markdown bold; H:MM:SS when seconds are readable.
**10:41**
